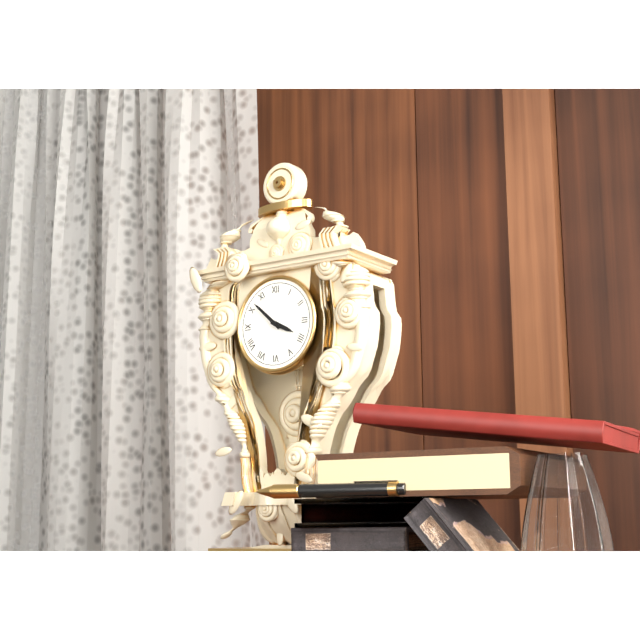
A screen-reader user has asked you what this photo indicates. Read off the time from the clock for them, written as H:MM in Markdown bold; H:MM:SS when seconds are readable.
**3:52**
